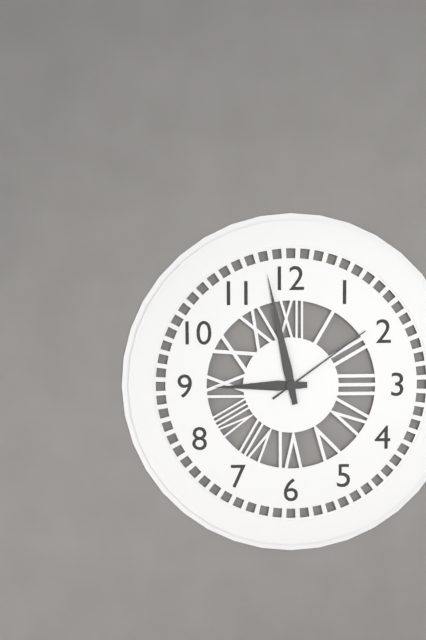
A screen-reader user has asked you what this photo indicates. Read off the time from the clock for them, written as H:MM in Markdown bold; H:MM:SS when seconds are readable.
**8:58:09**
